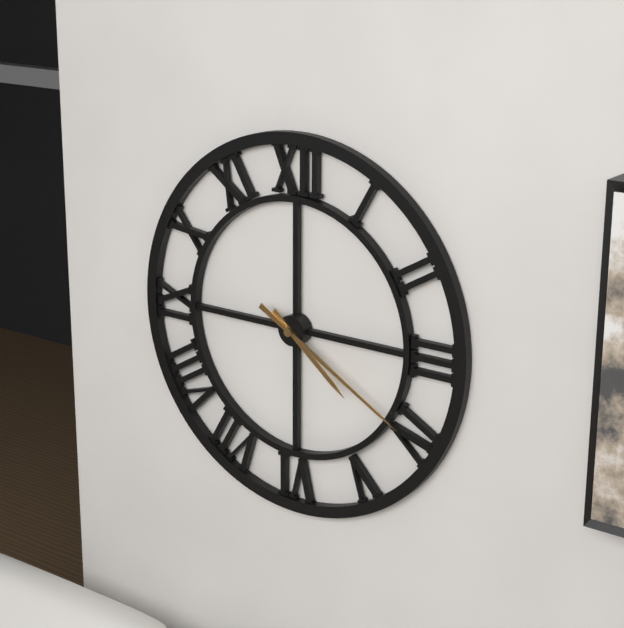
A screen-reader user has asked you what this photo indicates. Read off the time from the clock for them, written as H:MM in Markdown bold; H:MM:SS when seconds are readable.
**4:20**
